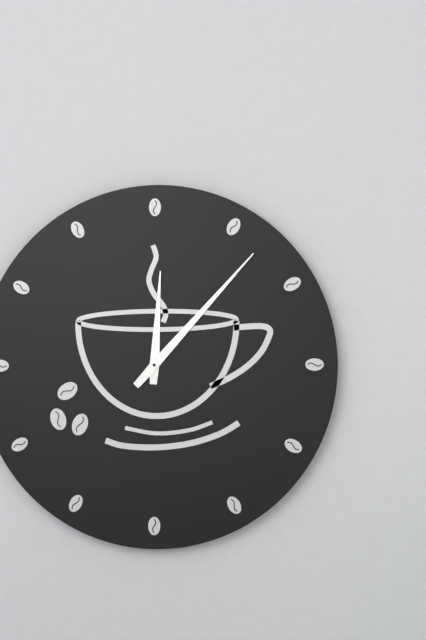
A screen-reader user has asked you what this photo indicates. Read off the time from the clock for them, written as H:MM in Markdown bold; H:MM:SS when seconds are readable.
**12:07**
